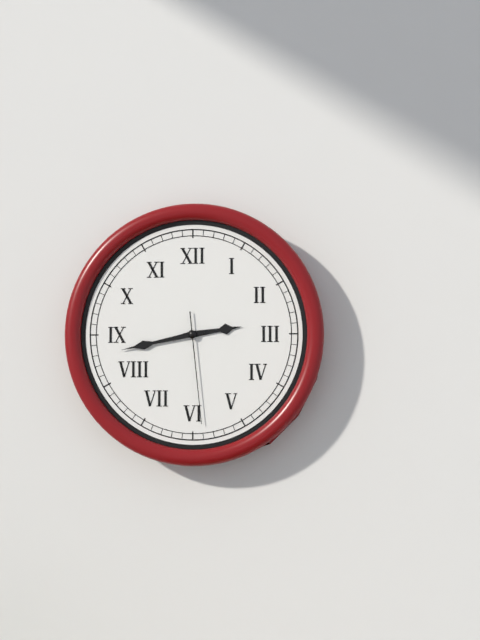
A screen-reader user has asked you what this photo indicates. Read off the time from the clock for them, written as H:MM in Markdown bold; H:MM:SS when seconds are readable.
**2:43:29**
